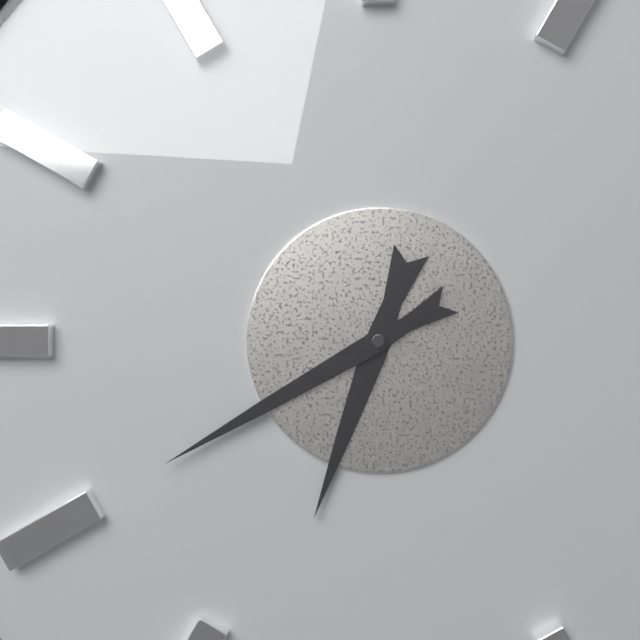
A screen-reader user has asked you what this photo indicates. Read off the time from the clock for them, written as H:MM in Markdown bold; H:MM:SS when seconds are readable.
**6:40**
